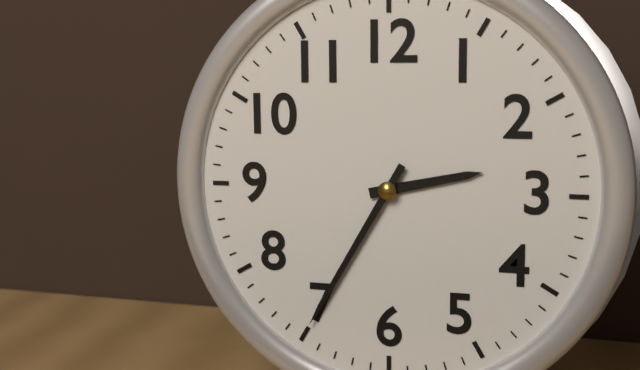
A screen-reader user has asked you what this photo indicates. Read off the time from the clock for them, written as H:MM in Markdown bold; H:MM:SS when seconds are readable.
**2:35**
